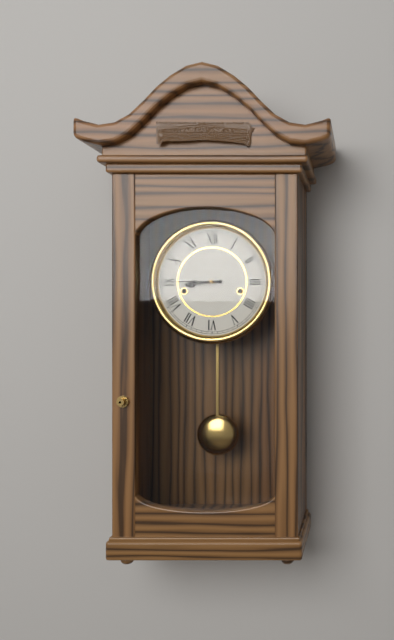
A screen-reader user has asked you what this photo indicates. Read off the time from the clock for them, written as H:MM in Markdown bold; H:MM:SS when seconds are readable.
**8:45**
